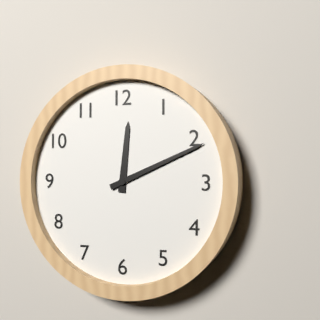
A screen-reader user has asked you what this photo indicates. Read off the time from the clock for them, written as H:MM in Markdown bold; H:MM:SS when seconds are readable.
**12:11**
